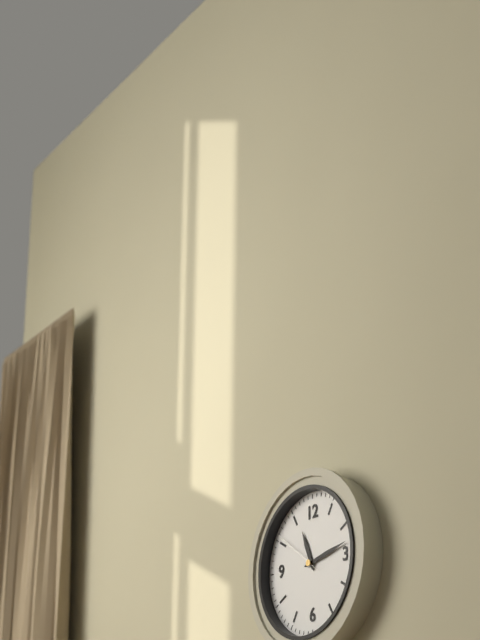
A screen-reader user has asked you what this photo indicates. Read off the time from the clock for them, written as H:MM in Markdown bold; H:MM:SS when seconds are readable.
**11:13:51**
